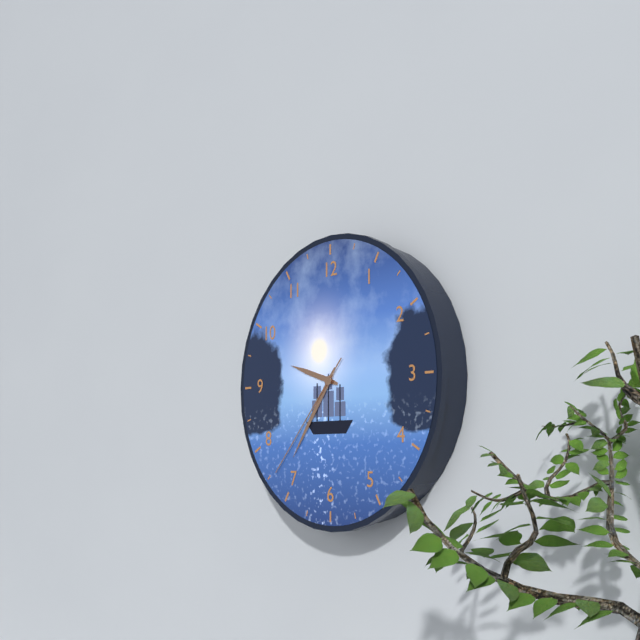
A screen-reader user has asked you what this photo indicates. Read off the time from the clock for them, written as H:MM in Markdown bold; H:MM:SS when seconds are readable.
**9:36:37**
